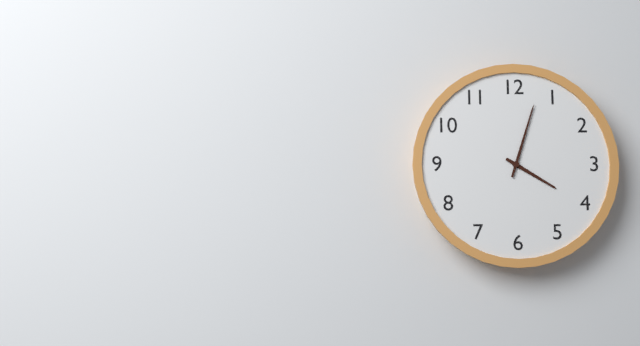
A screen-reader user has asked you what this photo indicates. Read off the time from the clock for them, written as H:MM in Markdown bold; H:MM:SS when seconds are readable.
**4:03**
